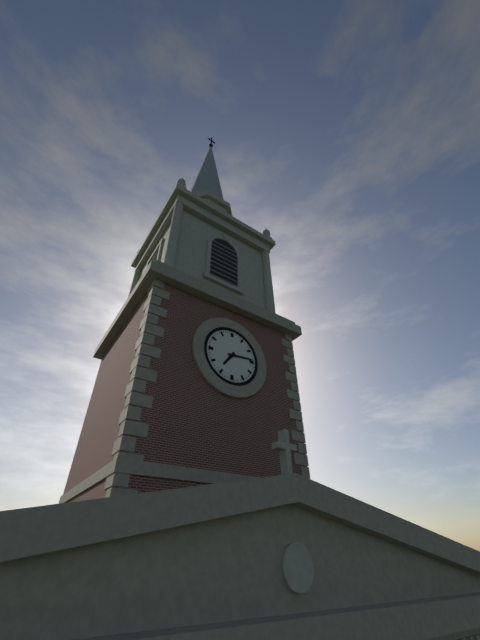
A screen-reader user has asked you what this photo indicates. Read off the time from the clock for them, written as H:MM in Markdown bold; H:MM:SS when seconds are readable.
**7:14**
